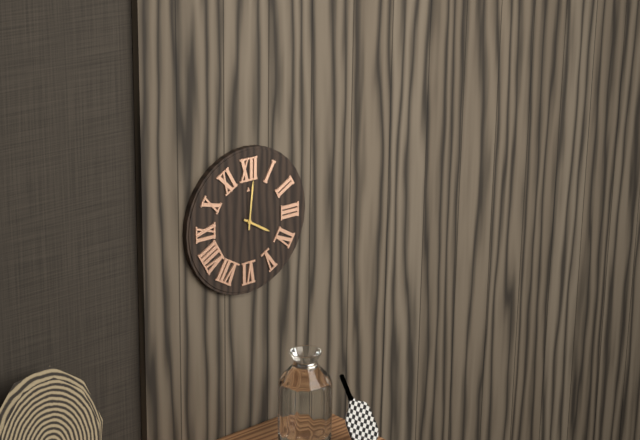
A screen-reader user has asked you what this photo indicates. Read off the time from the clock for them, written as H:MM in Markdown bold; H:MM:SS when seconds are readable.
**4:01**
